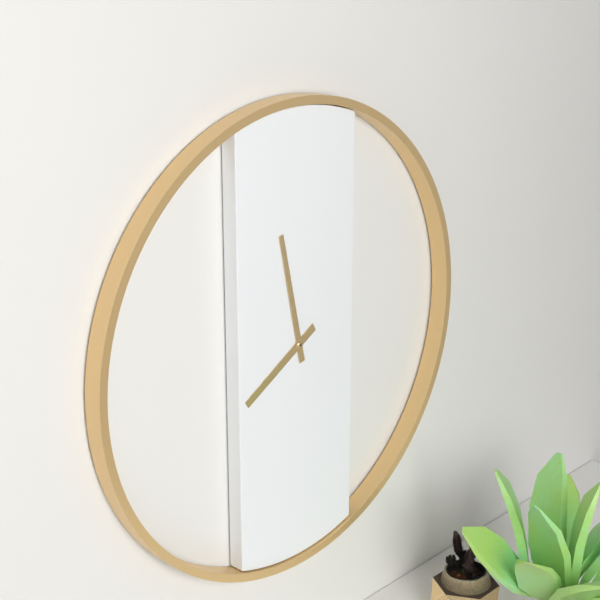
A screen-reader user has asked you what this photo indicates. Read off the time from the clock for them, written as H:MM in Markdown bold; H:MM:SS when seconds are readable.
**7:58**
